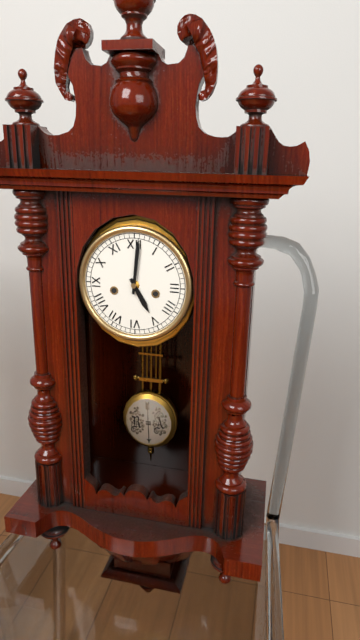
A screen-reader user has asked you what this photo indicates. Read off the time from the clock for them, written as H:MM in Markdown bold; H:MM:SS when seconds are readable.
**5:01**
